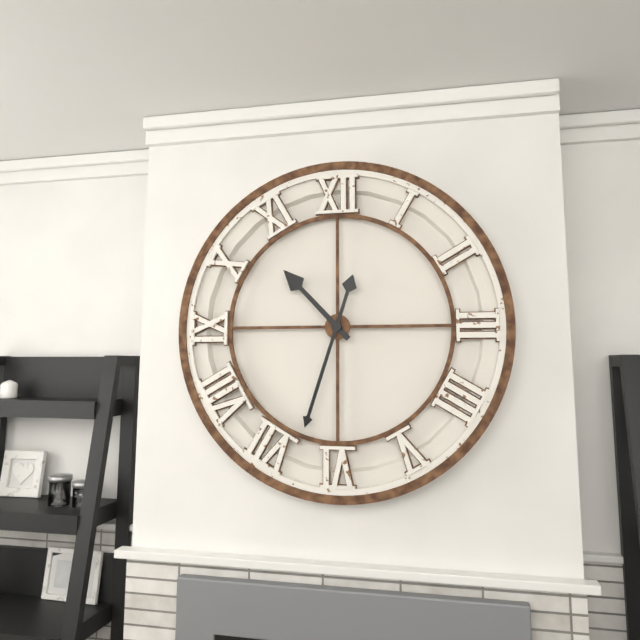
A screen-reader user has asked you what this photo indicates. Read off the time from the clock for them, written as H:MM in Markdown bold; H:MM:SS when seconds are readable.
**10:33**
